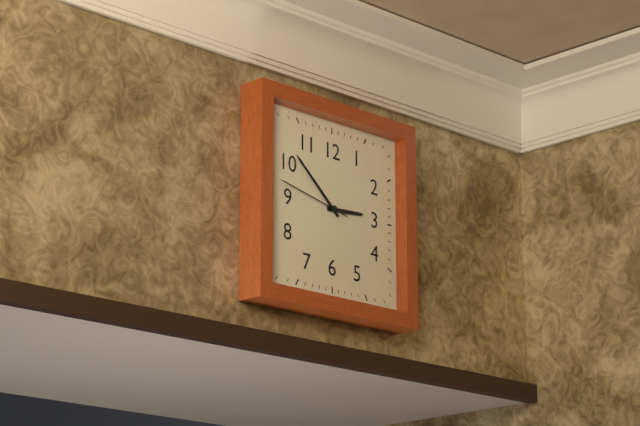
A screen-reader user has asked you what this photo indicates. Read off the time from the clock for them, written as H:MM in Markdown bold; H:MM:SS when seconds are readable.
**2:52:47**
